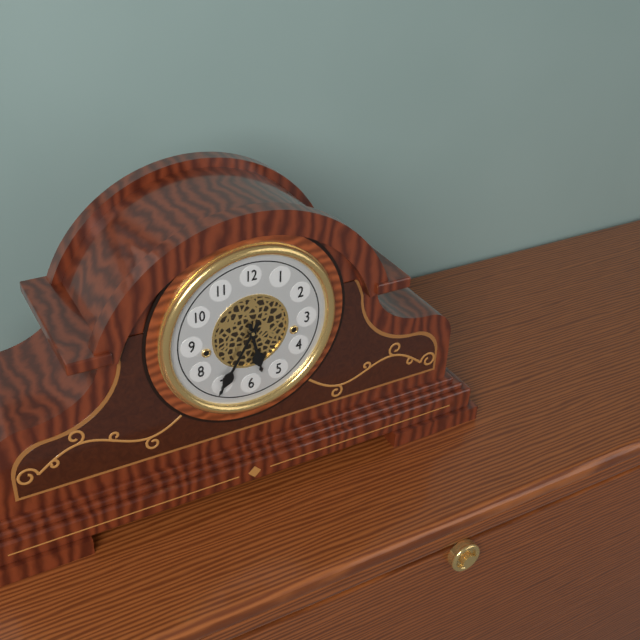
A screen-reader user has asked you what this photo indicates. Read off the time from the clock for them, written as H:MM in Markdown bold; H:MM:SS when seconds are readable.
**5:35**
